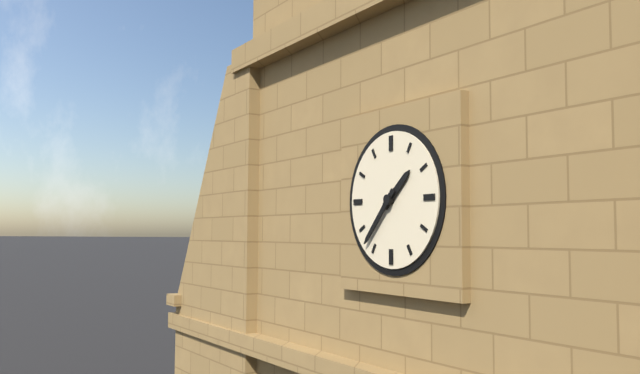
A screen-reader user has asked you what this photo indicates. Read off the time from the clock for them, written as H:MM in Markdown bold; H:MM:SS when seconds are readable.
**1:37**
